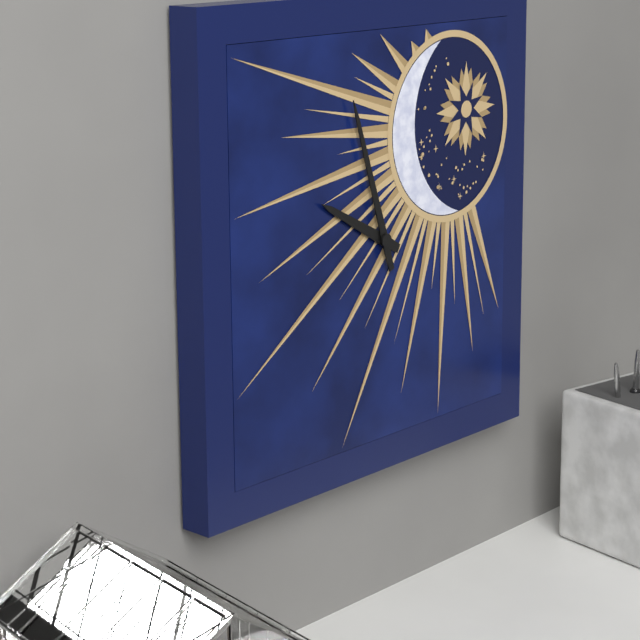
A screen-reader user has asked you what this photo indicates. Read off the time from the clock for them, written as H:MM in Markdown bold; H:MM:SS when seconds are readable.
**9:57**
